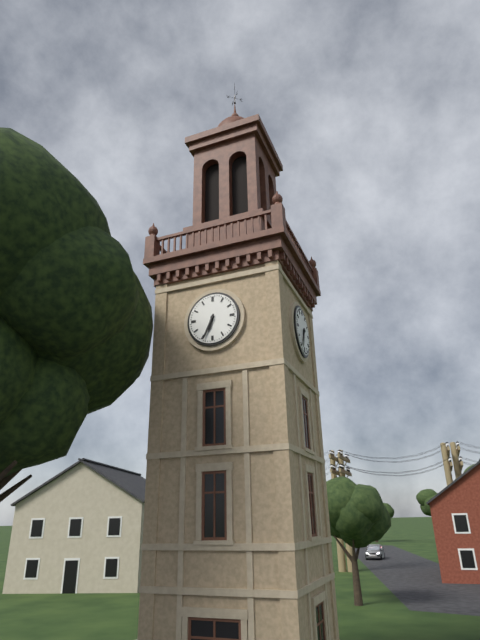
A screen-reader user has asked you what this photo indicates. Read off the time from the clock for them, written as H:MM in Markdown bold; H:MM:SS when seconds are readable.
**6:34**
